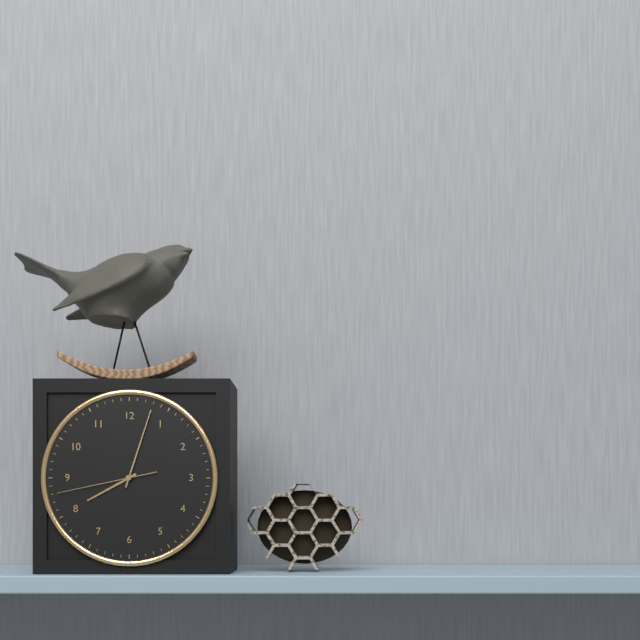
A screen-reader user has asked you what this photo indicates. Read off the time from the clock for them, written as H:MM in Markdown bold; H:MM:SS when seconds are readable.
**8:03:43**
